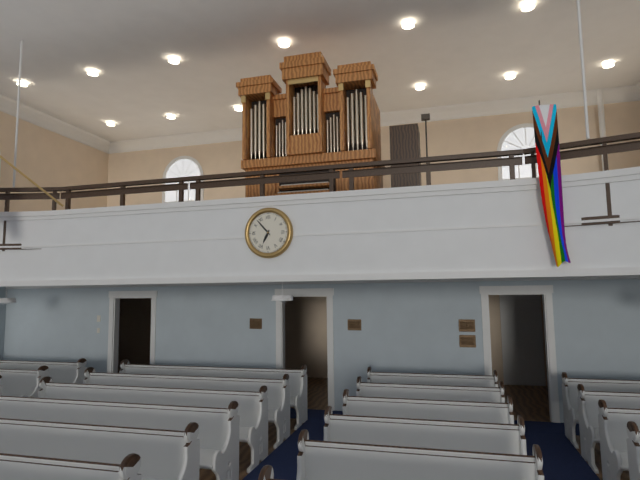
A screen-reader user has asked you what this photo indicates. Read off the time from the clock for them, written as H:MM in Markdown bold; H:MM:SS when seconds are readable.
**6:53**
